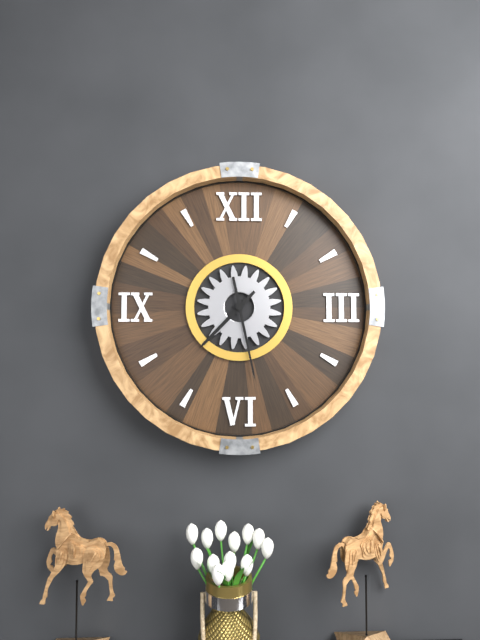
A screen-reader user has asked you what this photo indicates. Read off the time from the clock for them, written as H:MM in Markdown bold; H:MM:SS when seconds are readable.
**7:28**
